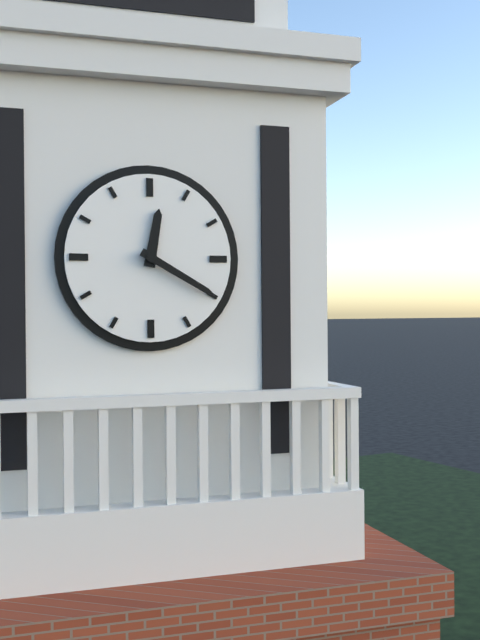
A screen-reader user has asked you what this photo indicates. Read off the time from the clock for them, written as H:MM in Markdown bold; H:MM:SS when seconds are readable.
**12:20**
